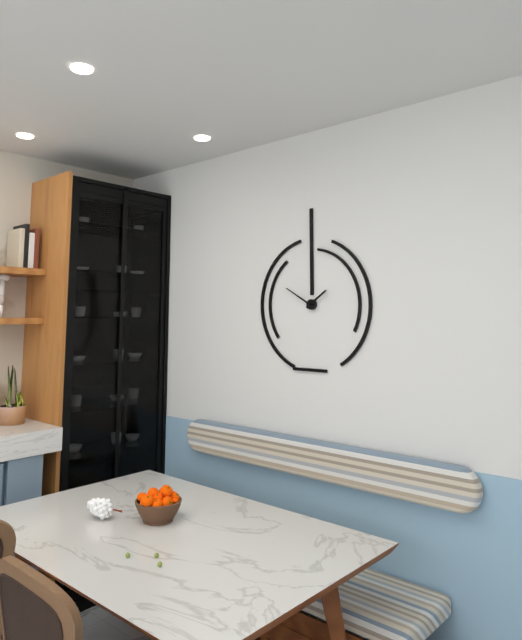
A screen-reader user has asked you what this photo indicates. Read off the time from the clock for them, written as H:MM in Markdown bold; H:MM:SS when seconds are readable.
**1:50**
